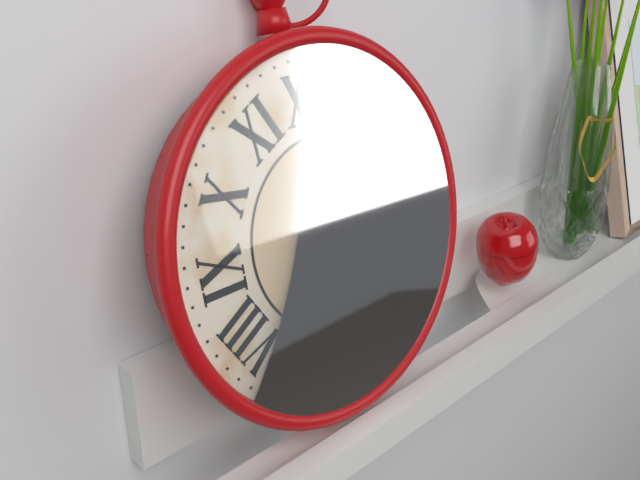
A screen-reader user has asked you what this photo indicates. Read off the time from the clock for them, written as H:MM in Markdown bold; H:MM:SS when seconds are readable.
**7:18**
